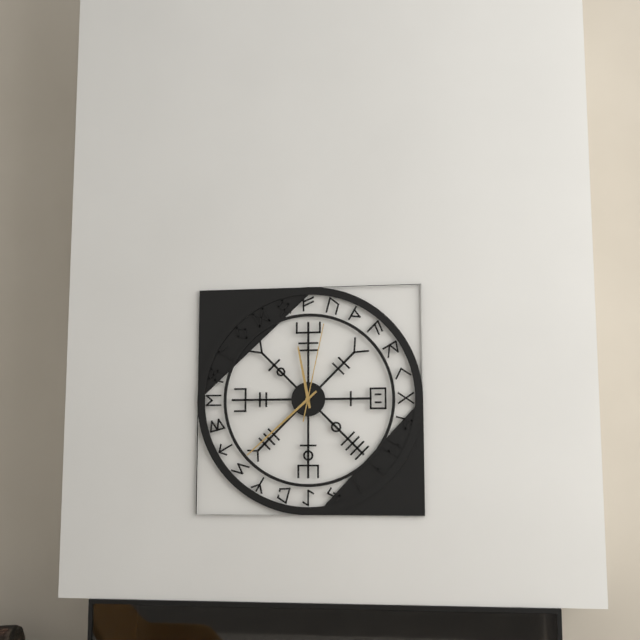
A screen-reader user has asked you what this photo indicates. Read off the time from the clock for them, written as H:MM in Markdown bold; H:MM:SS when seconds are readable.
**11:38:02**
